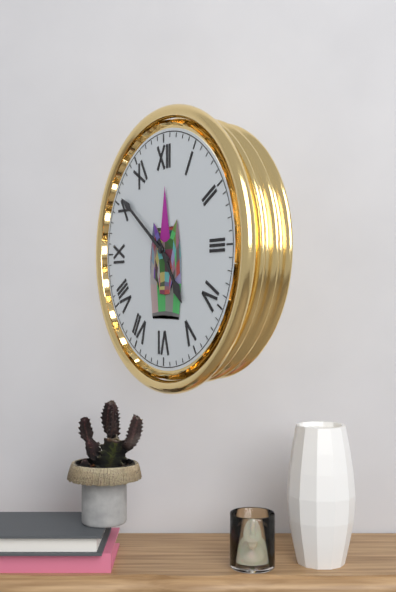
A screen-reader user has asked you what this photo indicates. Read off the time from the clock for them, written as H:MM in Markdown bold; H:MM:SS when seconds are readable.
**4:51**
